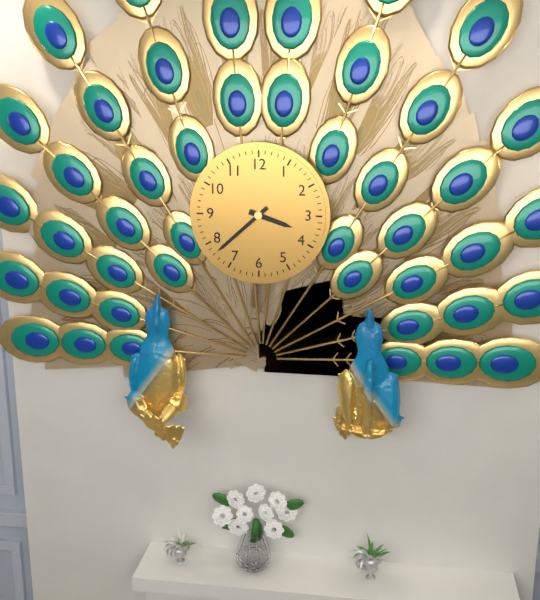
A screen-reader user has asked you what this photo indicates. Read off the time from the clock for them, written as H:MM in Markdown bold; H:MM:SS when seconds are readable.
**3:38**
